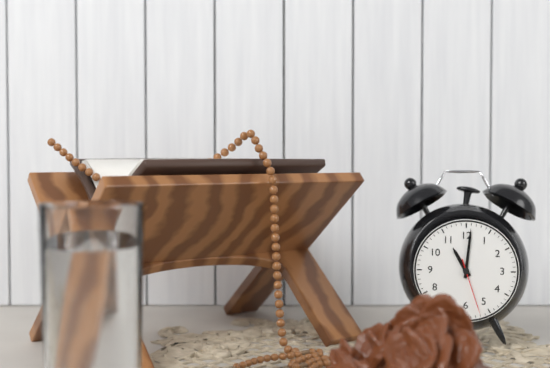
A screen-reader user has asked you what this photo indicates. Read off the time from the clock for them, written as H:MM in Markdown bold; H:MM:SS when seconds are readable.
**11:01:27**
